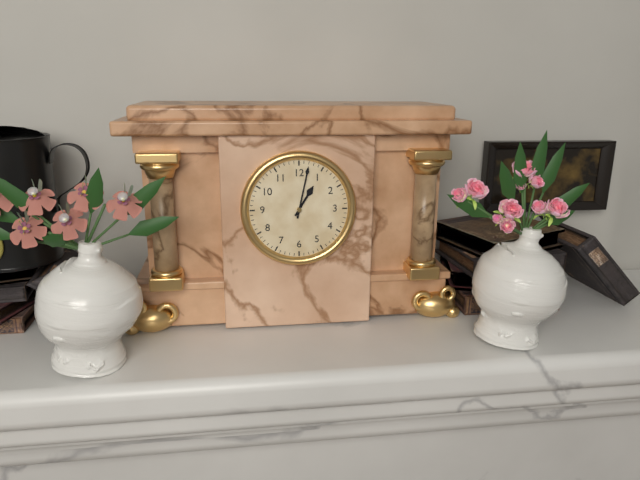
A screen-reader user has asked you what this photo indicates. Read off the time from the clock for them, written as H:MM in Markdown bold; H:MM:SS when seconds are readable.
**1:02**
